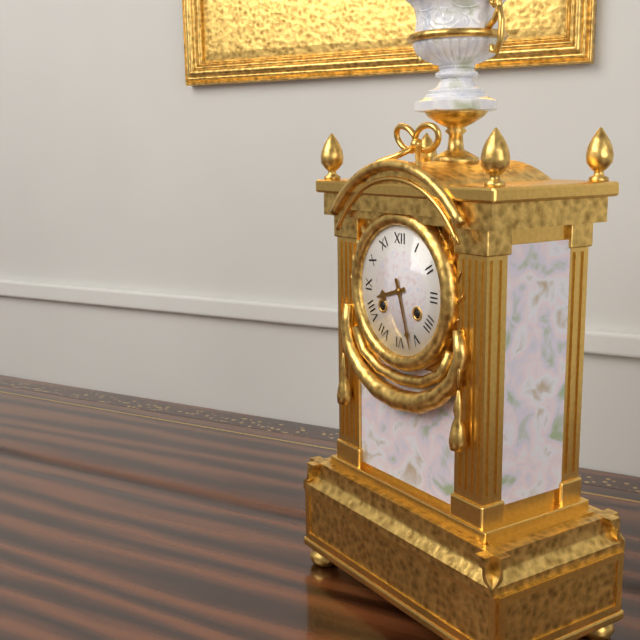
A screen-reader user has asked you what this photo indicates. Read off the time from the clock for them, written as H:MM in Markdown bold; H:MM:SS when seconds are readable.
**8:27**
